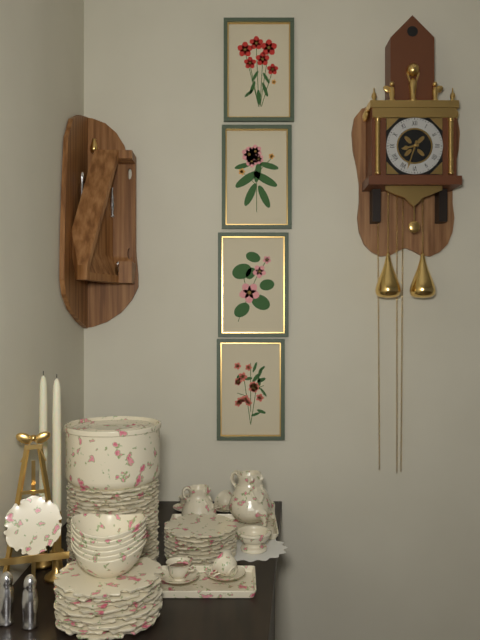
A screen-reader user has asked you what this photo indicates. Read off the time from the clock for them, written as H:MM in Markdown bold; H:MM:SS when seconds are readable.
**8:33**
